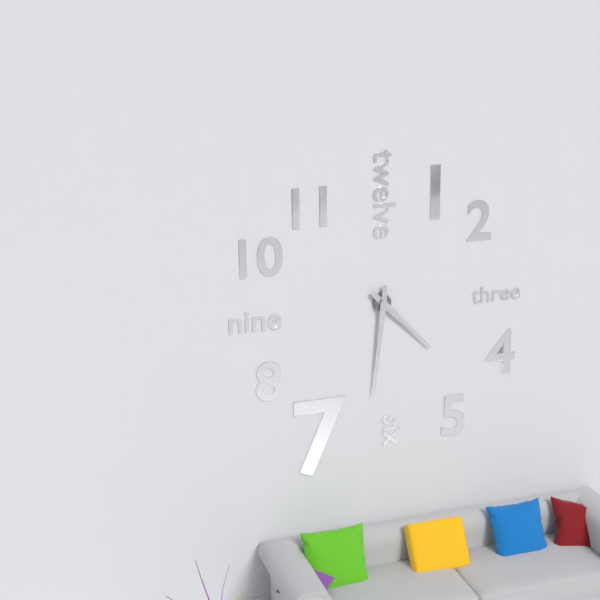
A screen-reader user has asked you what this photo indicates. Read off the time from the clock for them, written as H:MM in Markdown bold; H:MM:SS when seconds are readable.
**4:31**
